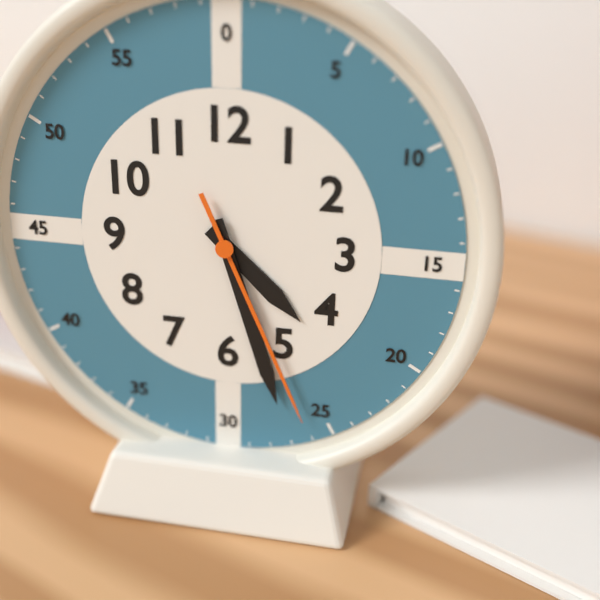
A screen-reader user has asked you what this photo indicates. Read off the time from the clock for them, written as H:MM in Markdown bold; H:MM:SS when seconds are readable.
**4:27:26**
